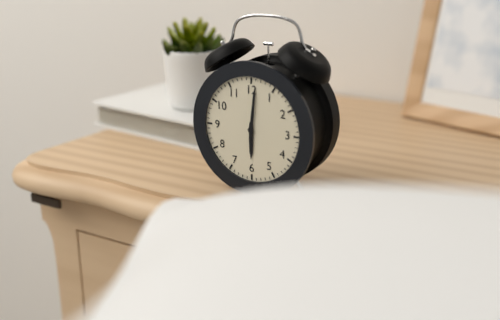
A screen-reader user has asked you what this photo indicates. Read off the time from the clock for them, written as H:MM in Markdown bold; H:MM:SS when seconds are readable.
**6:01**
